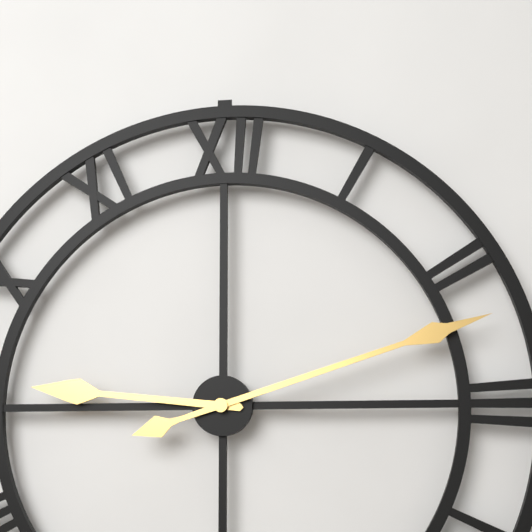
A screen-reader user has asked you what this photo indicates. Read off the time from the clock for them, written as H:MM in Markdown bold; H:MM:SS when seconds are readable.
**9:12**
